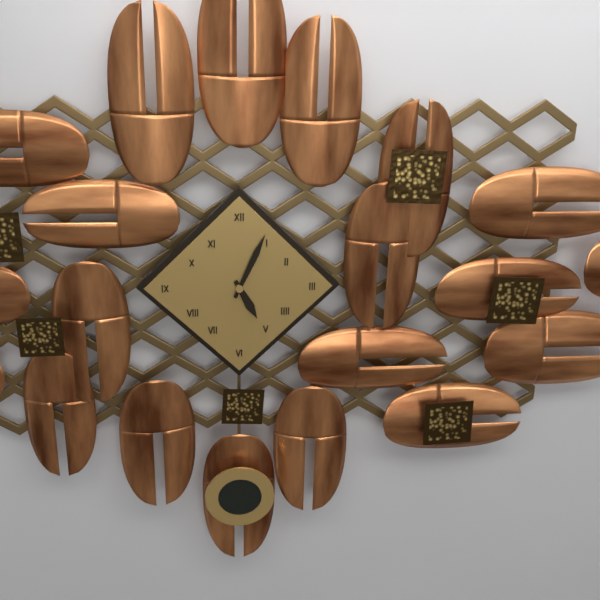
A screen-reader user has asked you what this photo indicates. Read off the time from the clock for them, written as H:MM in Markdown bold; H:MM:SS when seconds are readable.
**5:04**
